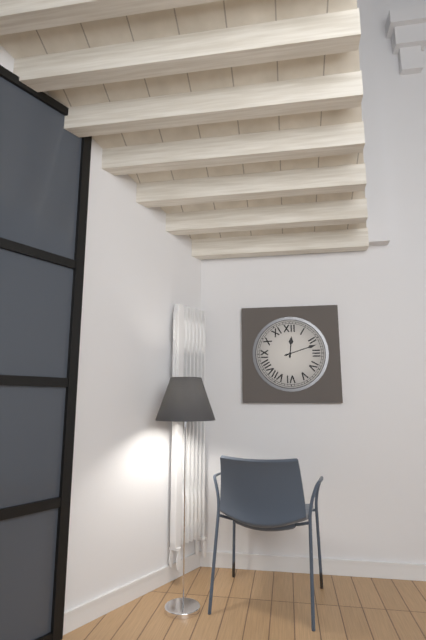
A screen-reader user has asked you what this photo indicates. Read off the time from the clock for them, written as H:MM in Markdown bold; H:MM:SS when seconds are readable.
**12:12**
